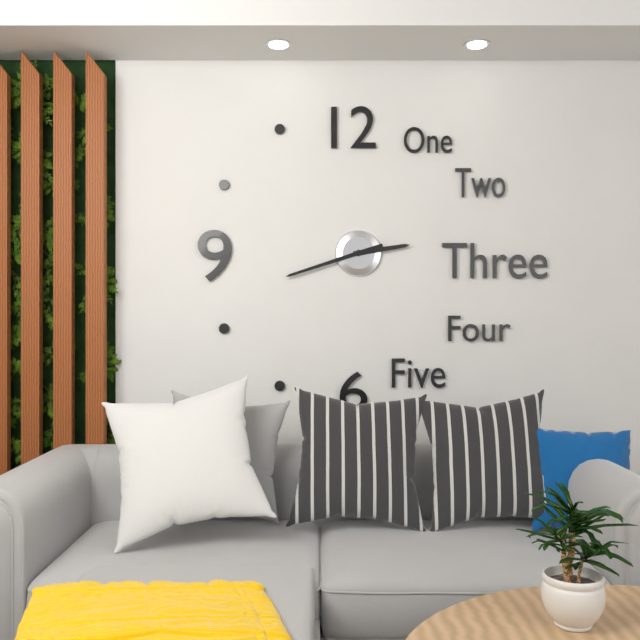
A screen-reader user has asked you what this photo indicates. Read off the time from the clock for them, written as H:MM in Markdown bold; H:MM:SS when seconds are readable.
**2:42**
